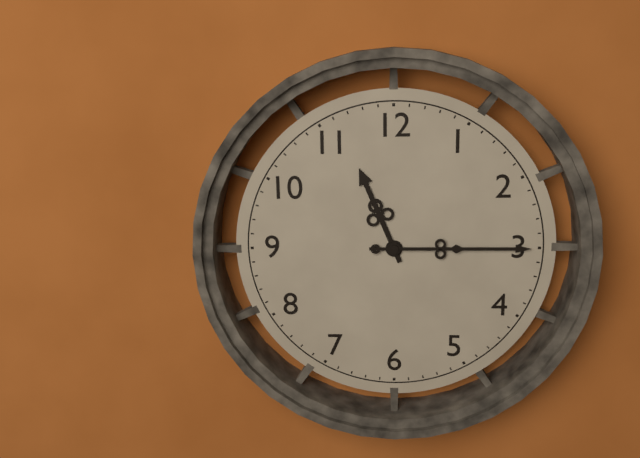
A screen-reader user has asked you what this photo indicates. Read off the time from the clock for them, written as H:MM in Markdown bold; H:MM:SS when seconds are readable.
**11:15**
